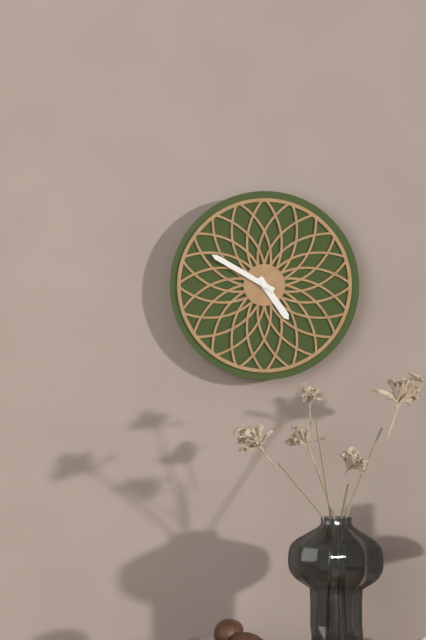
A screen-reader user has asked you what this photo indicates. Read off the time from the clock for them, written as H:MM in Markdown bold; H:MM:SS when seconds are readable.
**4:50**
